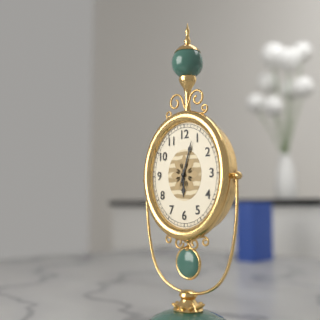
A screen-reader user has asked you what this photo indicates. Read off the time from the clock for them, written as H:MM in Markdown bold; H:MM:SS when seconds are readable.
**6:03**
